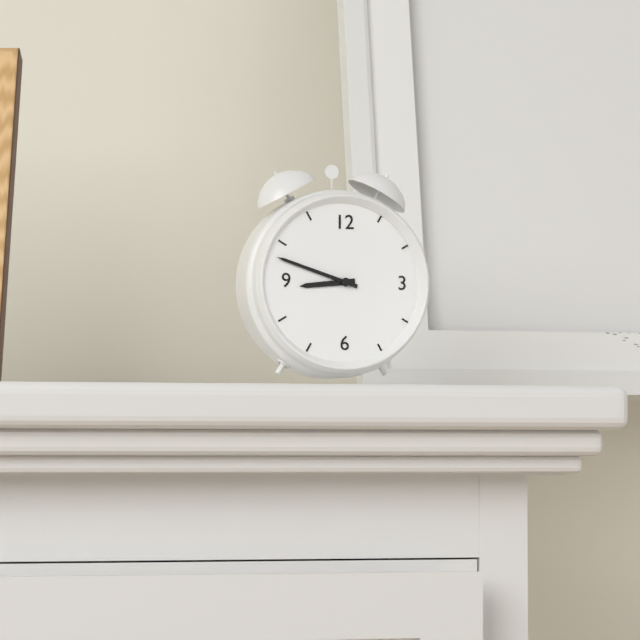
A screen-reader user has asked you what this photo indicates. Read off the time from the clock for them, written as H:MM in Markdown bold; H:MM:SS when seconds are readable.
**8:48**
